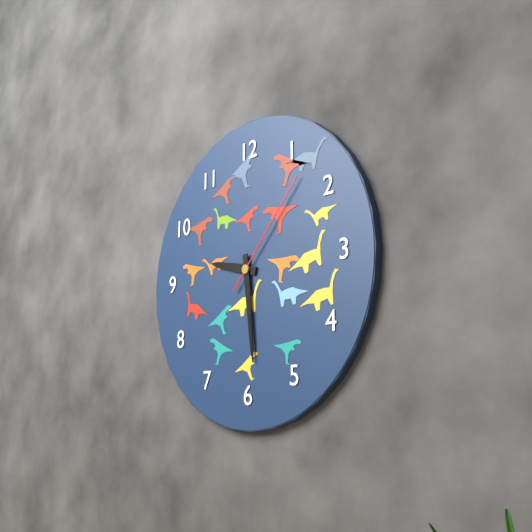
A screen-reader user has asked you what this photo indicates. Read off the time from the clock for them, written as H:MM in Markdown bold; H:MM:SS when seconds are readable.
**9:29:07**
